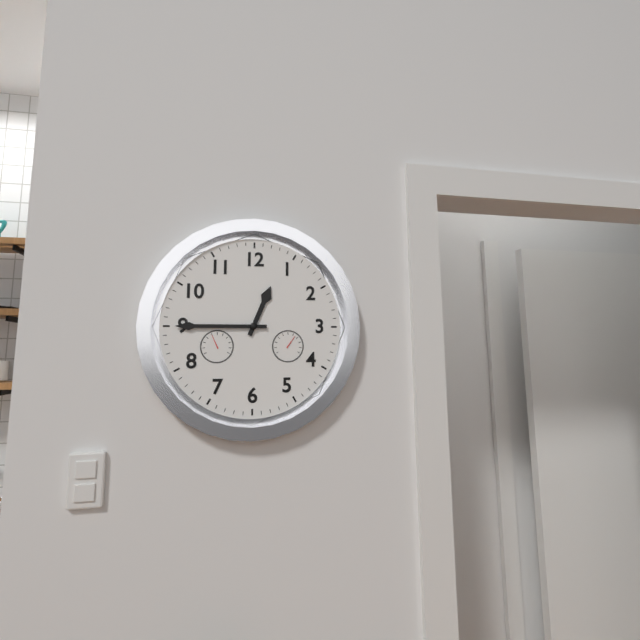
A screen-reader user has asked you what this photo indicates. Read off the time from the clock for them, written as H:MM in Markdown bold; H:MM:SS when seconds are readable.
**12:45**
